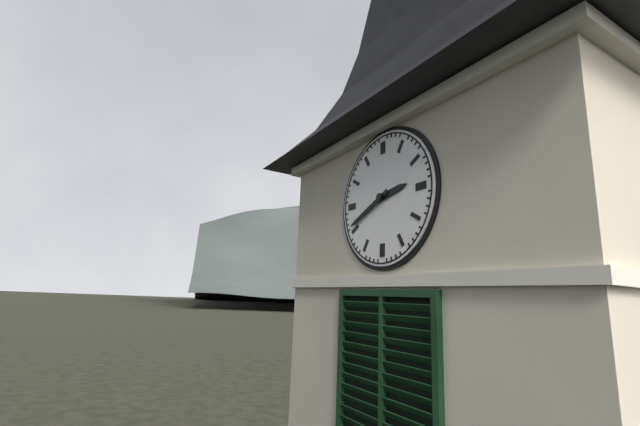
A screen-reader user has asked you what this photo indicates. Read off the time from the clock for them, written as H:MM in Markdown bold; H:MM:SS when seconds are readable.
**2:41**
